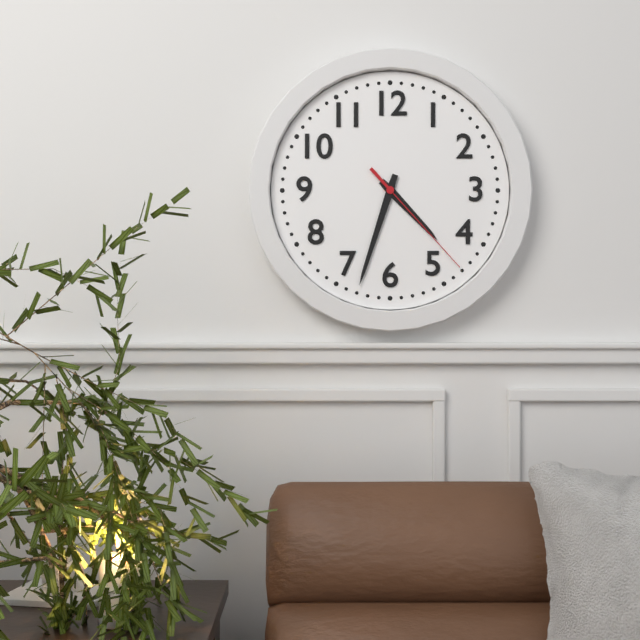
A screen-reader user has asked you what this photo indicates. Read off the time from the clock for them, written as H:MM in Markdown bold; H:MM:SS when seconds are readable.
**4:33:23**
